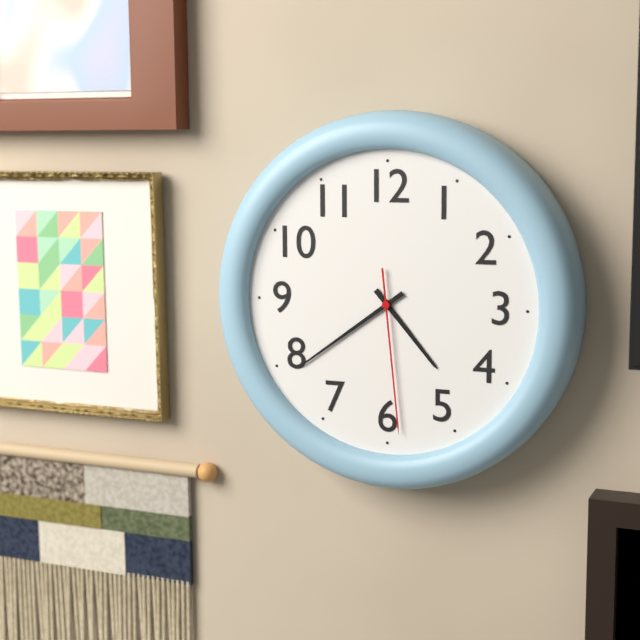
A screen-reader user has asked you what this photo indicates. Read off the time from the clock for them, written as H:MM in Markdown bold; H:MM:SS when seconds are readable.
**4:39:29**
